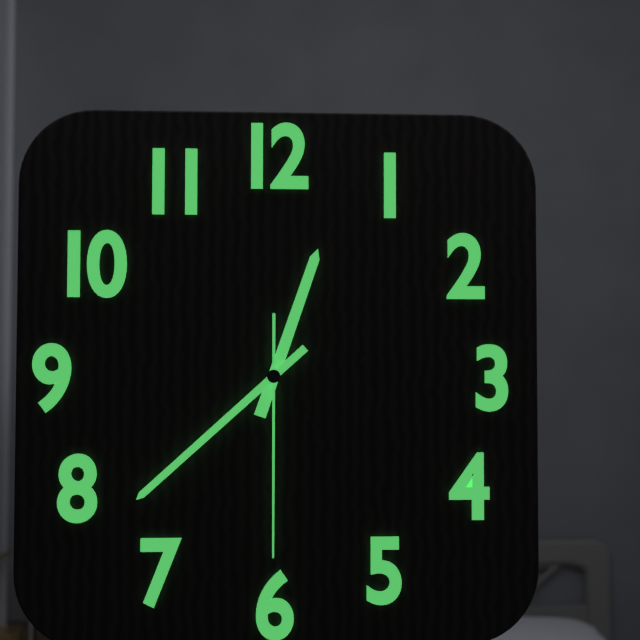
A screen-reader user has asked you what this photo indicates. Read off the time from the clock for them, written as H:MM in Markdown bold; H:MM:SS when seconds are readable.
**12:38:30**
